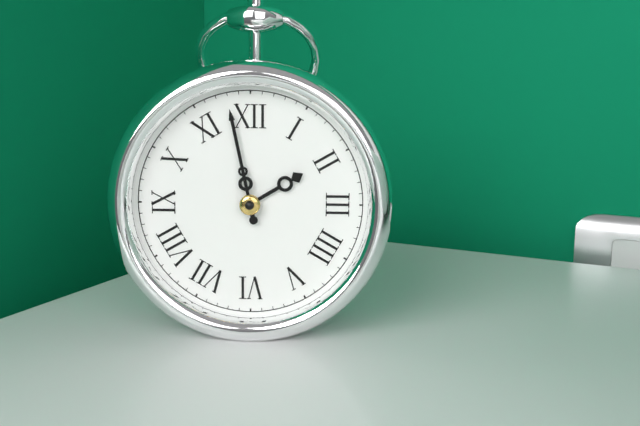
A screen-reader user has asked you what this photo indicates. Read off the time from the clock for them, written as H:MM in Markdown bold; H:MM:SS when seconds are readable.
**1:58**
